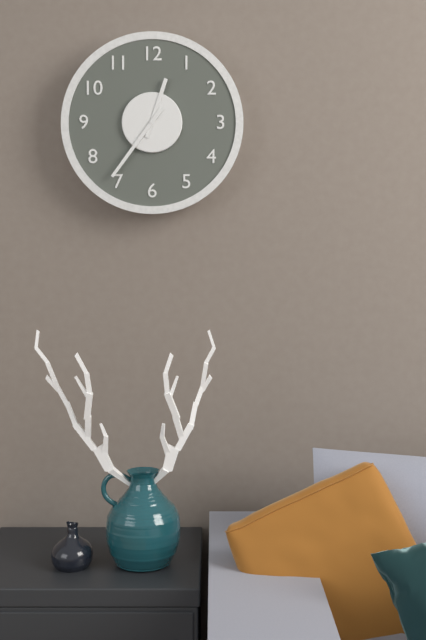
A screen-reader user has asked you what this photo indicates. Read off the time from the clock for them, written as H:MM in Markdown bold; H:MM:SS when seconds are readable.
**12:36**
